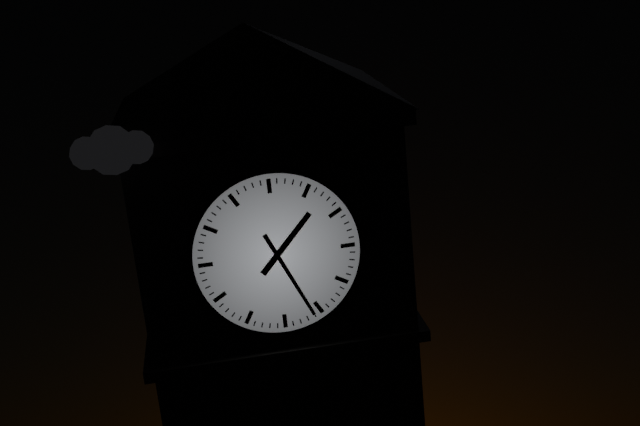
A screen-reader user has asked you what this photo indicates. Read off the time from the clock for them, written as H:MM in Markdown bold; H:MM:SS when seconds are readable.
**1:26**
